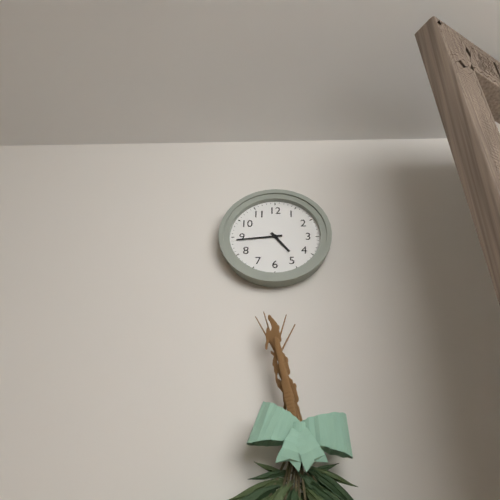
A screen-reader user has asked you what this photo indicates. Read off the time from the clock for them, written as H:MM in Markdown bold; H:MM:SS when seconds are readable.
**4:44**
